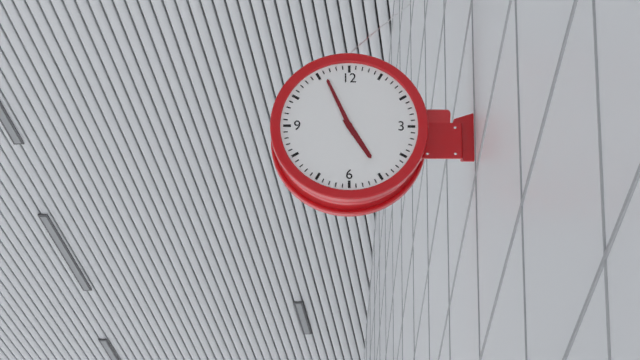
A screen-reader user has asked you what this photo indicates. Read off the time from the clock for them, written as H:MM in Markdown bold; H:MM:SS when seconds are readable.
**4:56**
